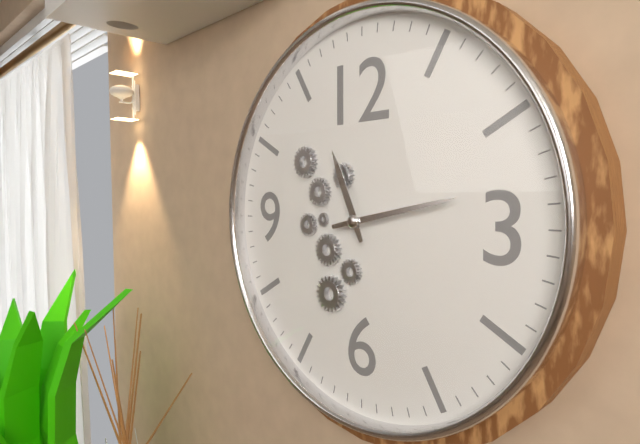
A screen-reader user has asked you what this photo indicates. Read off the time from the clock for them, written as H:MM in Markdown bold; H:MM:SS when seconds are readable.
**11:13**
